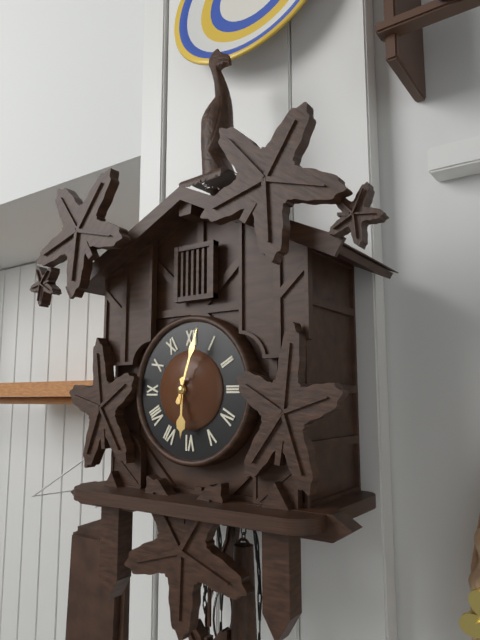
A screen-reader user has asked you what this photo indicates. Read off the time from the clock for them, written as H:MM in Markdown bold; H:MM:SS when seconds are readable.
**6:03**
